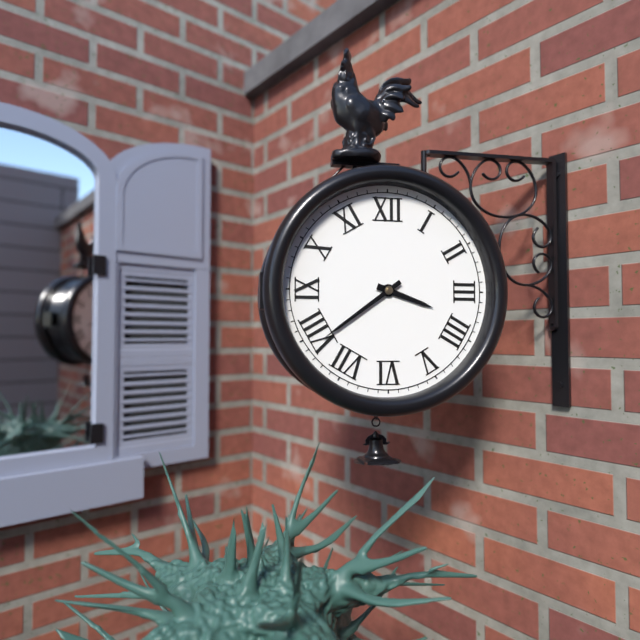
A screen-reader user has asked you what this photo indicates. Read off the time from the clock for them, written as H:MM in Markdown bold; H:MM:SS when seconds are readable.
**3:39**
